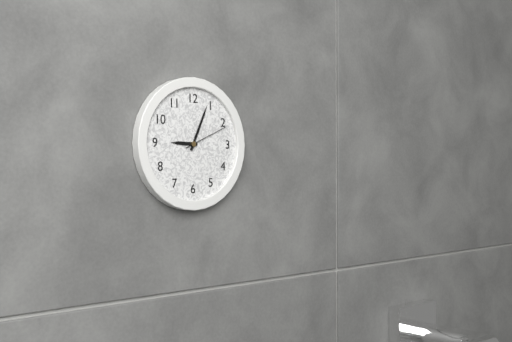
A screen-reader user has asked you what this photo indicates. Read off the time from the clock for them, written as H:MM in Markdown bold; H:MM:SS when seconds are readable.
**9:04**
